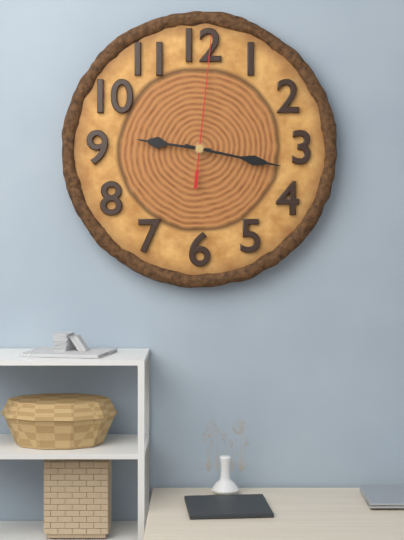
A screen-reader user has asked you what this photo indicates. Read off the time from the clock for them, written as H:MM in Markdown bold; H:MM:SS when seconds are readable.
**9:17:01**
